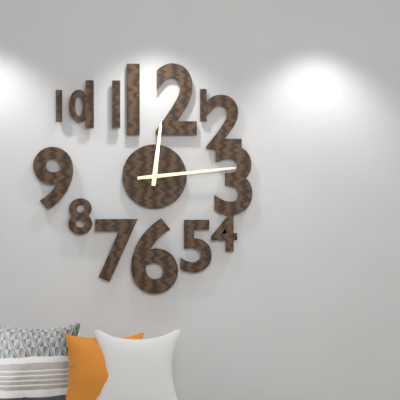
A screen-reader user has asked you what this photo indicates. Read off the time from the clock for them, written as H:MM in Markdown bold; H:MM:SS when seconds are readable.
**12:14**
